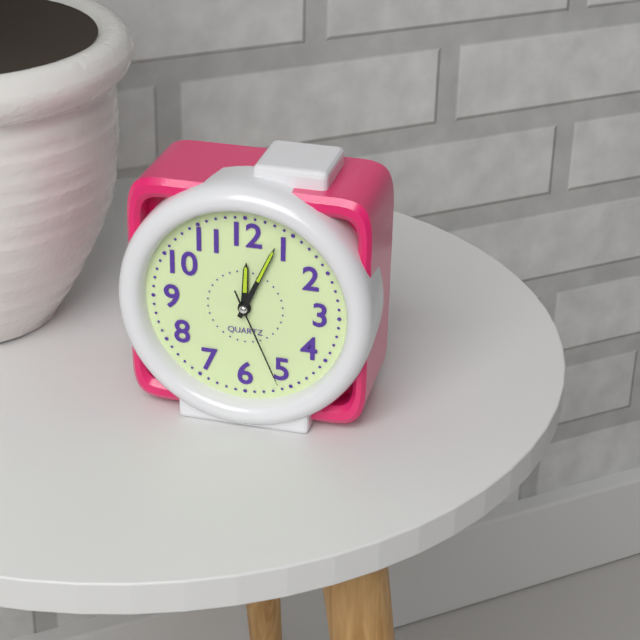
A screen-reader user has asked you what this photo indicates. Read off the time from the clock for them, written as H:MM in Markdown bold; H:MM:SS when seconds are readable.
**12:04:26**
